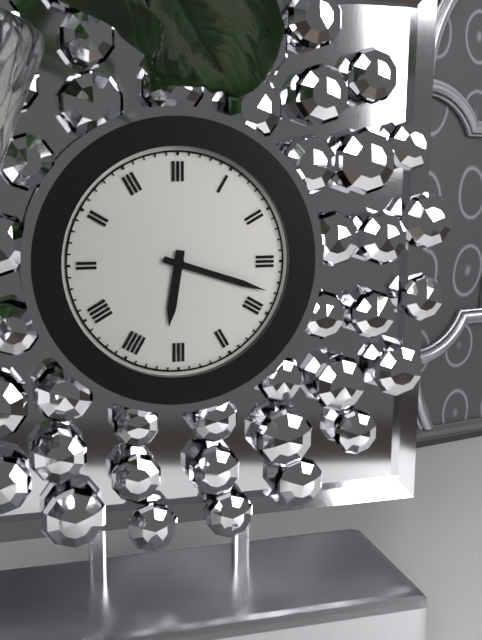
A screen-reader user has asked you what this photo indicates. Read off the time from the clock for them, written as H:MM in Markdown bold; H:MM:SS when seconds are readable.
**6:18**
